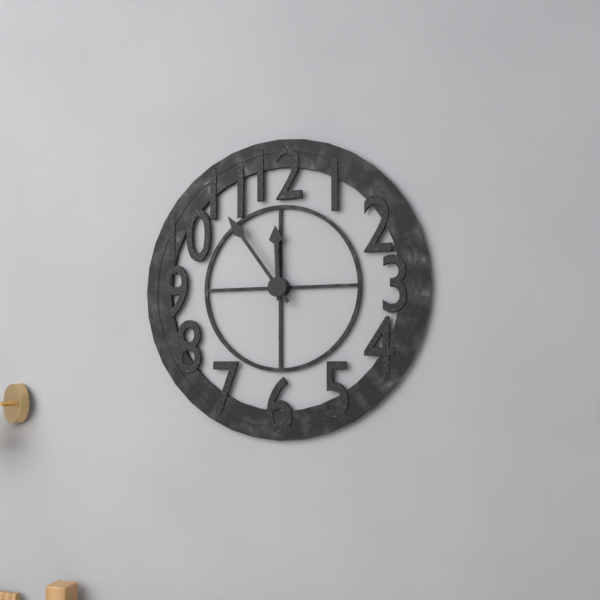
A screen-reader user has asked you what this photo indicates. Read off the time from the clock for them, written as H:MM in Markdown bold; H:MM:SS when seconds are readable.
**11:54**
